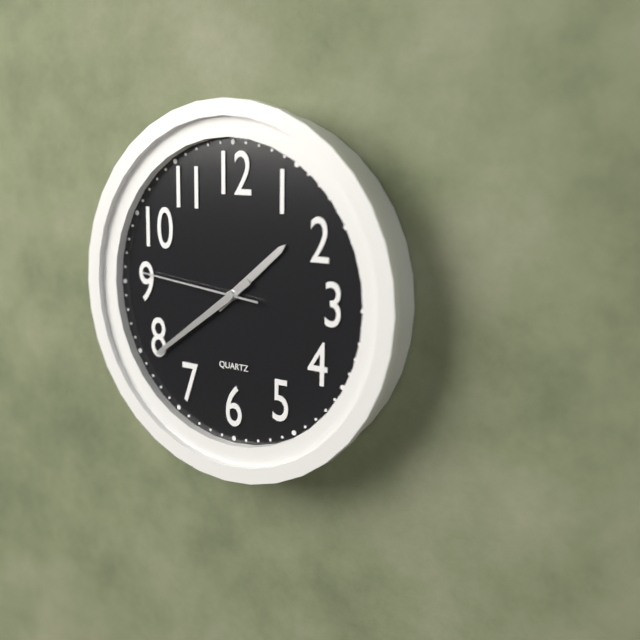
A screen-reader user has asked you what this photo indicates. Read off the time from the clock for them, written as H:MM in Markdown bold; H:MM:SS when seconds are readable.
**1:39:46**
